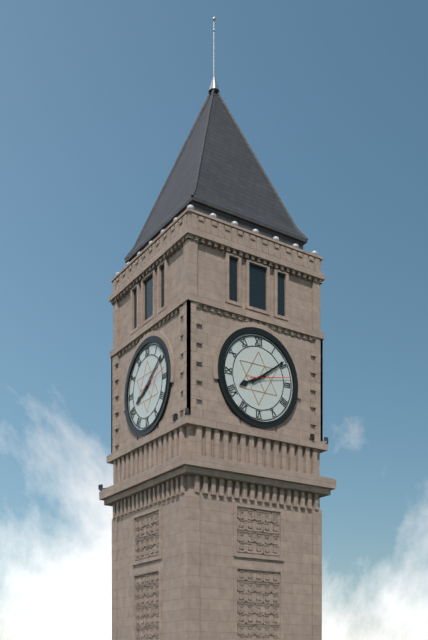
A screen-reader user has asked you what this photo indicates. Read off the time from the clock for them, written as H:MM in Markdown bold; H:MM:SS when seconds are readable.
**8:09**
